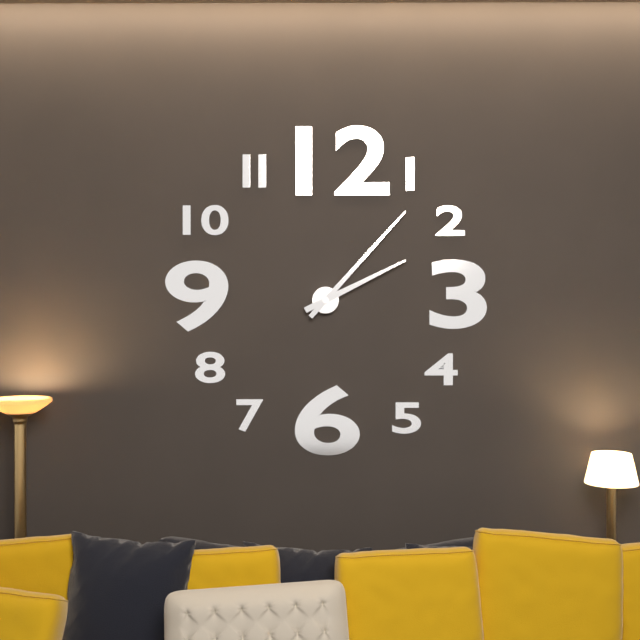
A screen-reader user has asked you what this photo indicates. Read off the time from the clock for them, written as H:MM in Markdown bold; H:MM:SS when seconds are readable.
**2:07**
